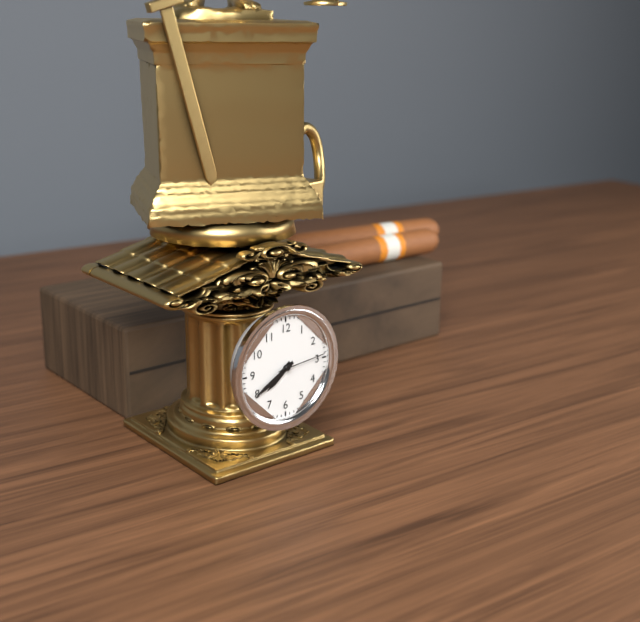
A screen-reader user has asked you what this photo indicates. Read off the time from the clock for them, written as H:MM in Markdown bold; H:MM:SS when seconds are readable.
**7:40**
